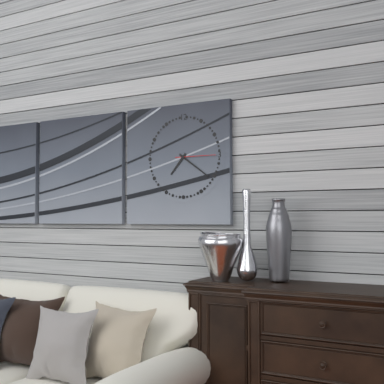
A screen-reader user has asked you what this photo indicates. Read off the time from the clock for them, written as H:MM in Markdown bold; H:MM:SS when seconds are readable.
**7:21**
